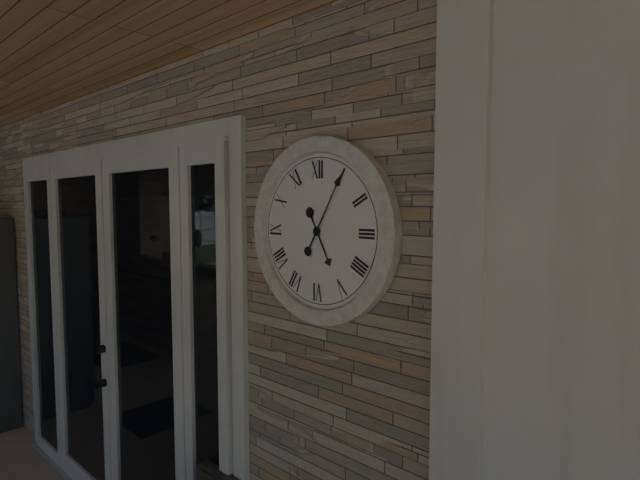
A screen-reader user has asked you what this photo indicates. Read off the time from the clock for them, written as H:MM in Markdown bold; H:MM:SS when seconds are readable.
**5:05**
